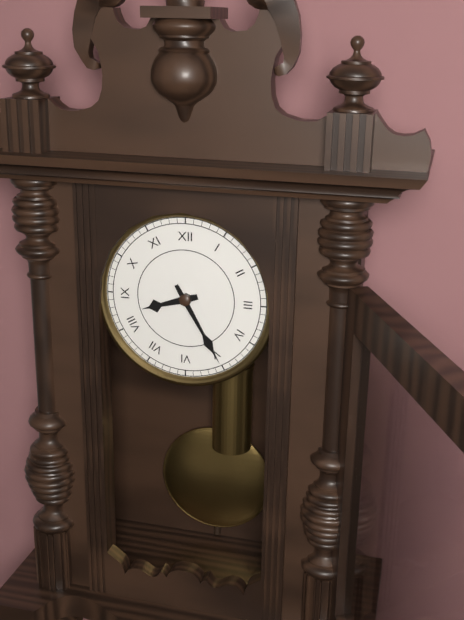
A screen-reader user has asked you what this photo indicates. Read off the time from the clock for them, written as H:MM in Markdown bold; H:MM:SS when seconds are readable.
**8:25**
